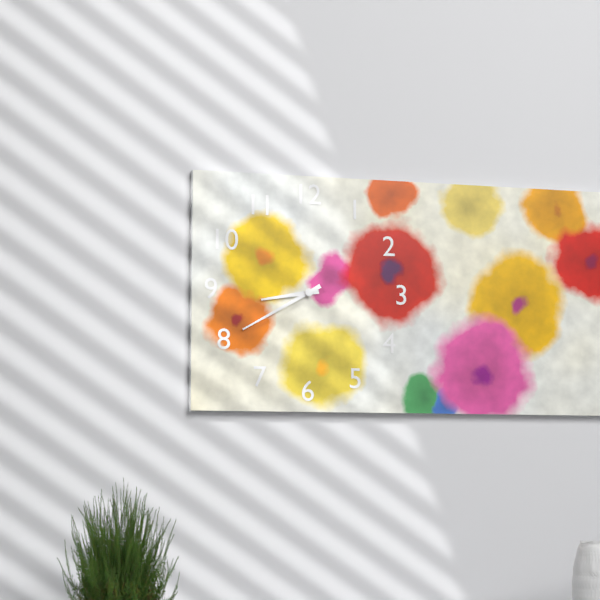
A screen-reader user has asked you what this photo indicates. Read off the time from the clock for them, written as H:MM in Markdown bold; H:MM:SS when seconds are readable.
**8:40**
